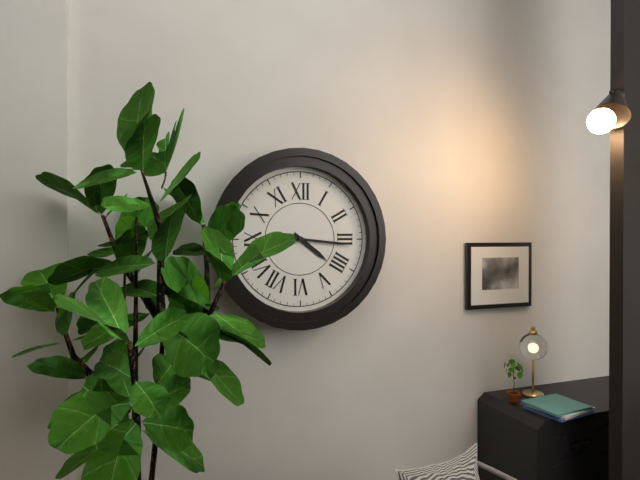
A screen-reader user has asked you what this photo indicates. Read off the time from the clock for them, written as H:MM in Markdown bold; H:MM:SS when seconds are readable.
**4:16**
